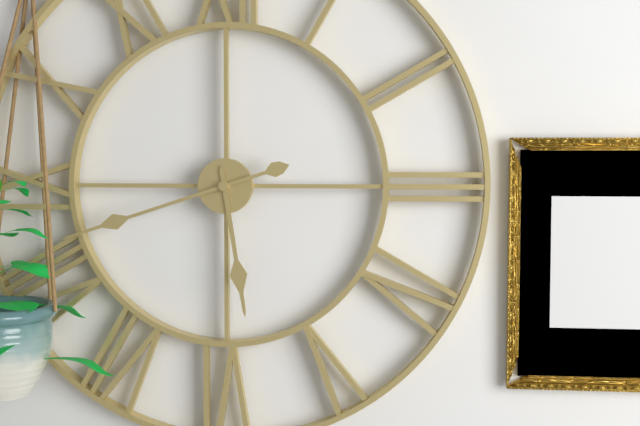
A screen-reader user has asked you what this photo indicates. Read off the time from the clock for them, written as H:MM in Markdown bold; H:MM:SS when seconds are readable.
**5:42**
